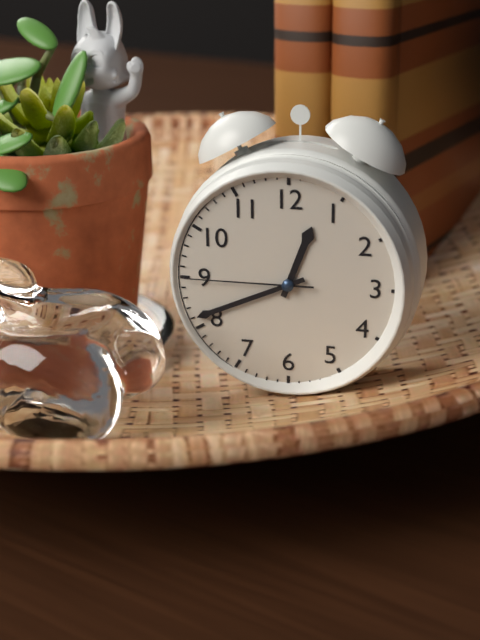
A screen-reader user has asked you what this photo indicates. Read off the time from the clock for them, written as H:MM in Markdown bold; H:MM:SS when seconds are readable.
**12:41:45**
